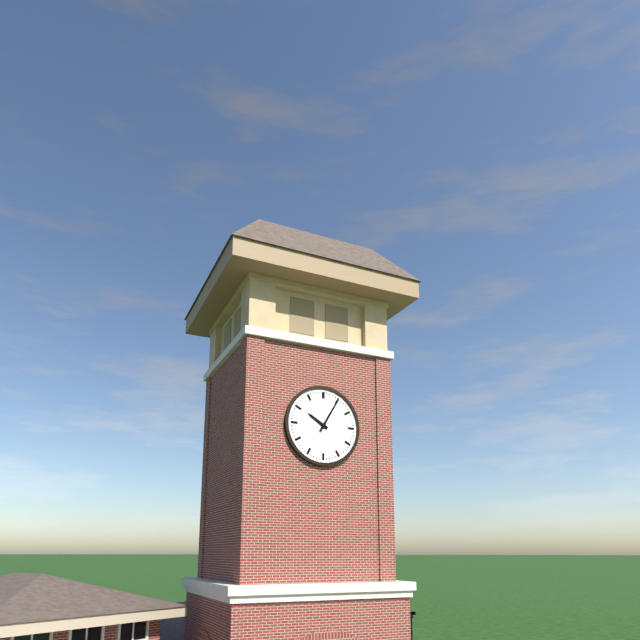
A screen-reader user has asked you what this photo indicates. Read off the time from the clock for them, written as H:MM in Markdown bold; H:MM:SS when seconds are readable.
**10:05**
